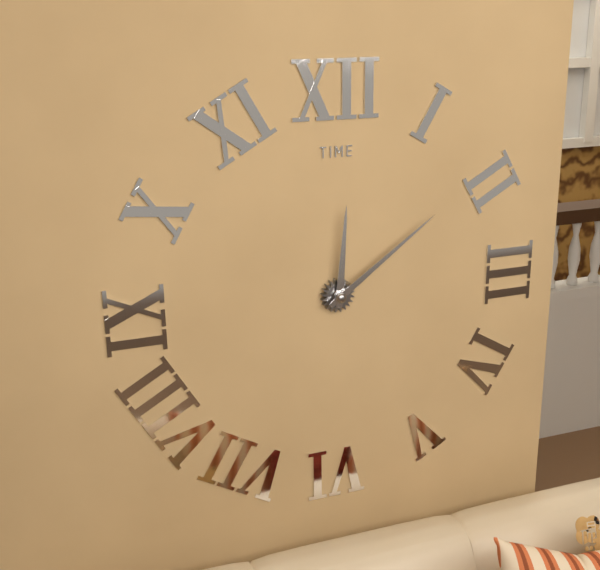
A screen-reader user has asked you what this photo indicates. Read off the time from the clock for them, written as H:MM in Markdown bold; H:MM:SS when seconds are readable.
**12:09**
